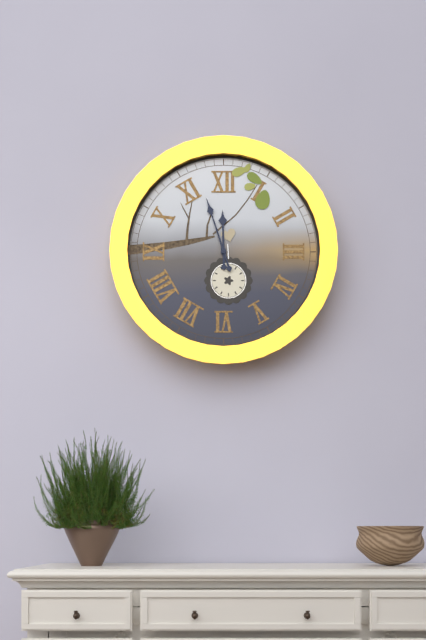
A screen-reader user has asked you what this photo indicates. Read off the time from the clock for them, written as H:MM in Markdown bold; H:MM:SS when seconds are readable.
**11:57**
